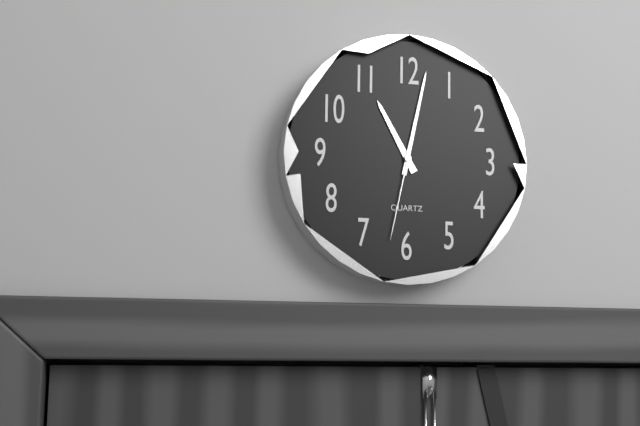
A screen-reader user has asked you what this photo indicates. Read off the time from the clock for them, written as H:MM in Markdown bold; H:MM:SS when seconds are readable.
**11:02:32**
